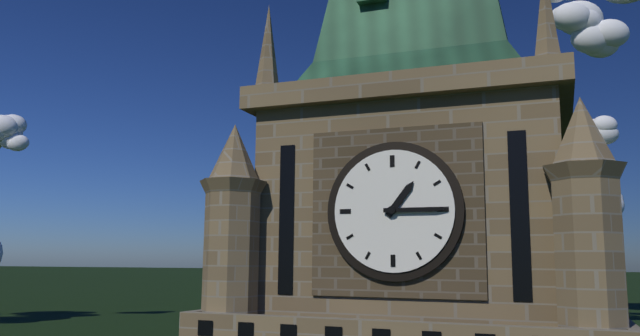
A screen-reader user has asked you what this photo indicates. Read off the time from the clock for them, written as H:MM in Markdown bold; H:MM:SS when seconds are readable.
**1:15**
